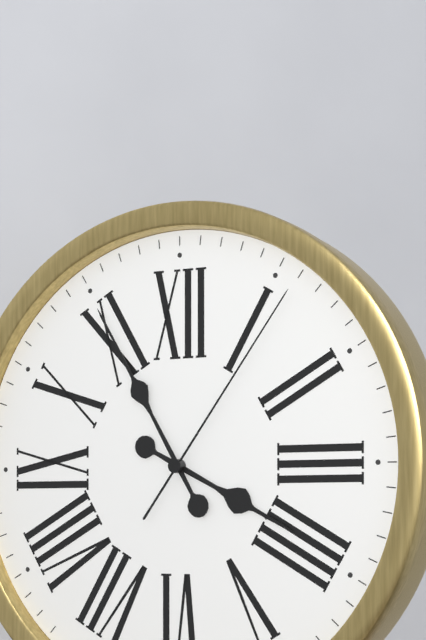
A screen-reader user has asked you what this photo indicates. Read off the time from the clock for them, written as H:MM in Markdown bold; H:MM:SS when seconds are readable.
**3:55:06**
